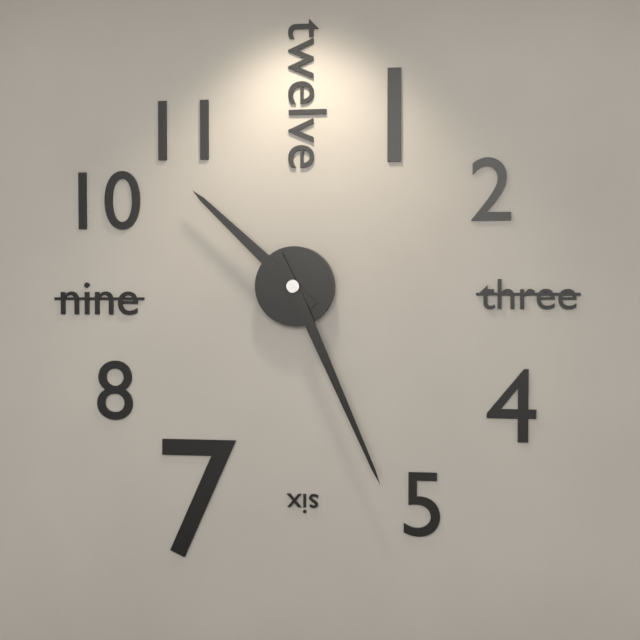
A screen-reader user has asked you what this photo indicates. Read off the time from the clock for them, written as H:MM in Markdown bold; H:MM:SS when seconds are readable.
**10:26**
